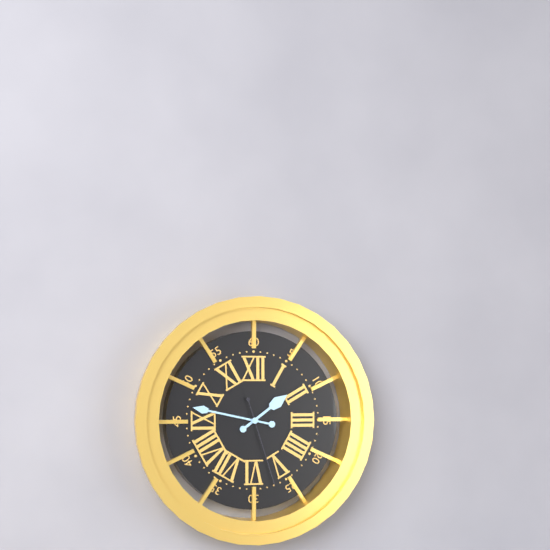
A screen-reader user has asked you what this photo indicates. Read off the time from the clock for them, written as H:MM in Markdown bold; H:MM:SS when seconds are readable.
**1:47:27**
